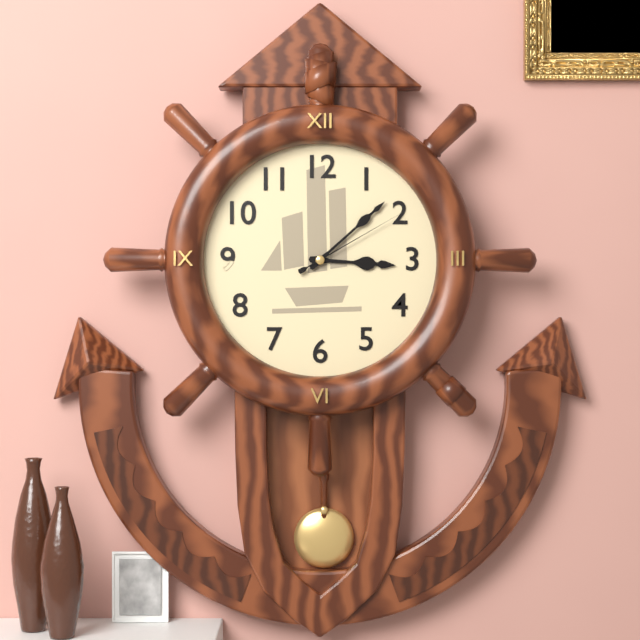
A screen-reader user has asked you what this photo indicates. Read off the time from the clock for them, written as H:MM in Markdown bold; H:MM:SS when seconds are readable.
**3:08:10**
